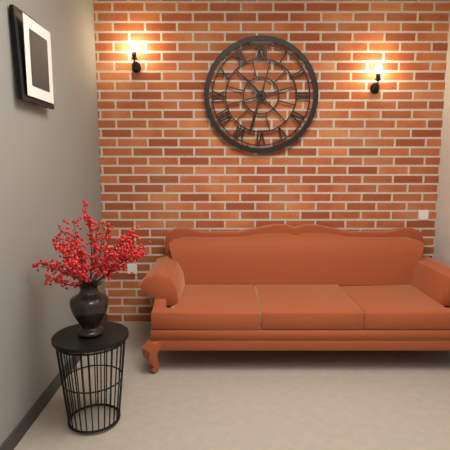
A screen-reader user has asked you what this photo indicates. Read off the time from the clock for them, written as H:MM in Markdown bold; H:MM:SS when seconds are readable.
**10:33**
